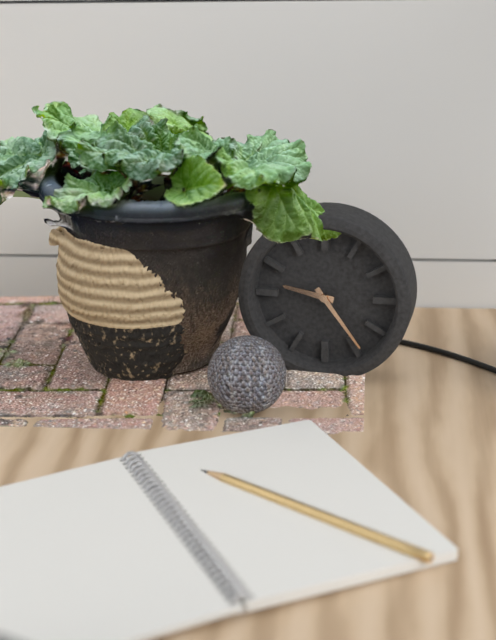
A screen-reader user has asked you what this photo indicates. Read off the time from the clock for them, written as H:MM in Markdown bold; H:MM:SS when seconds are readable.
**9:24**
